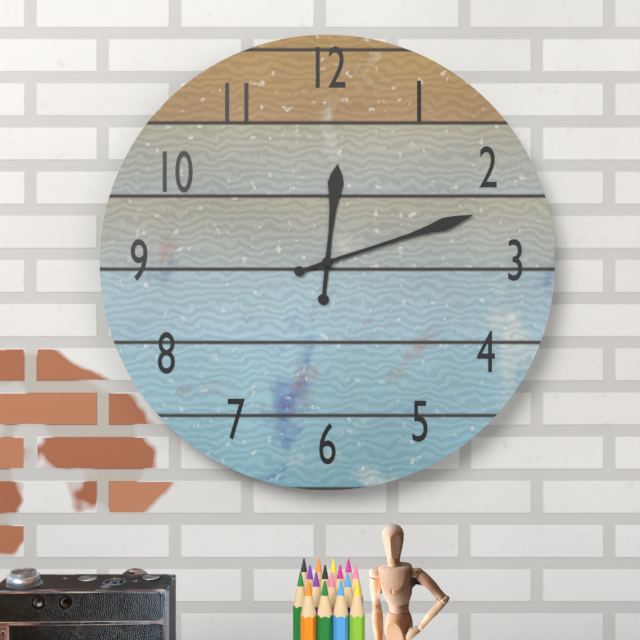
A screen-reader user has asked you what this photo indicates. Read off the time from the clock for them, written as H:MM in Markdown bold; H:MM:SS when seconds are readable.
**12:12**
